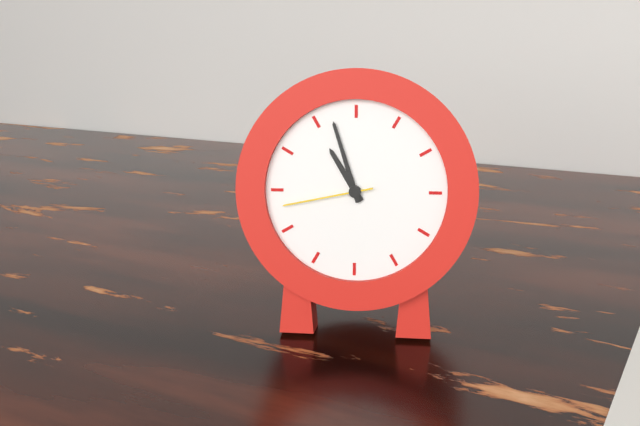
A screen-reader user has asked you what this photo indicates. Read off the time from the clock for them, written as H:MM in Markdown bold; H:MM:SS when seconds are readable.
**10:57:43**
